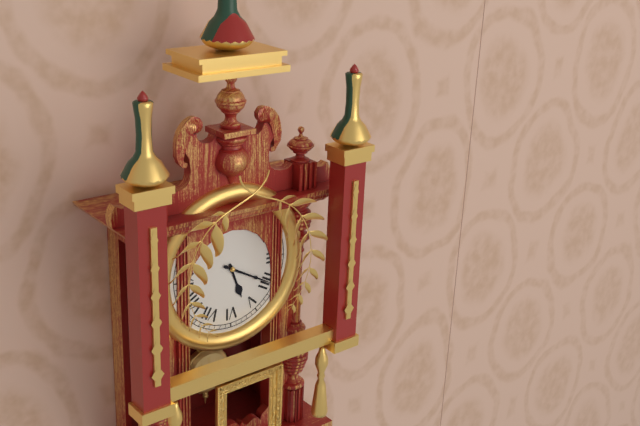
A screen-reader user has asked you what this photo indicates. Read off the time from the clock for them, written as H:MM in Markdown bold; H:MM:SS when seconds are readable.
**5:20**
